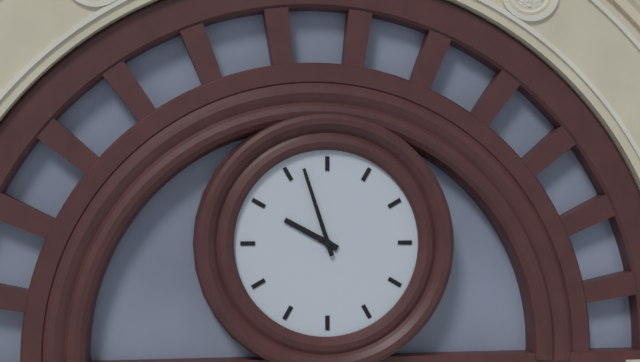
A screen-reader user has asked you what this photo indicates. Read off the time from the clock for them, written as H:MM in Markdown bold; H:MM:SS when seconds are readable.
**9:57**
